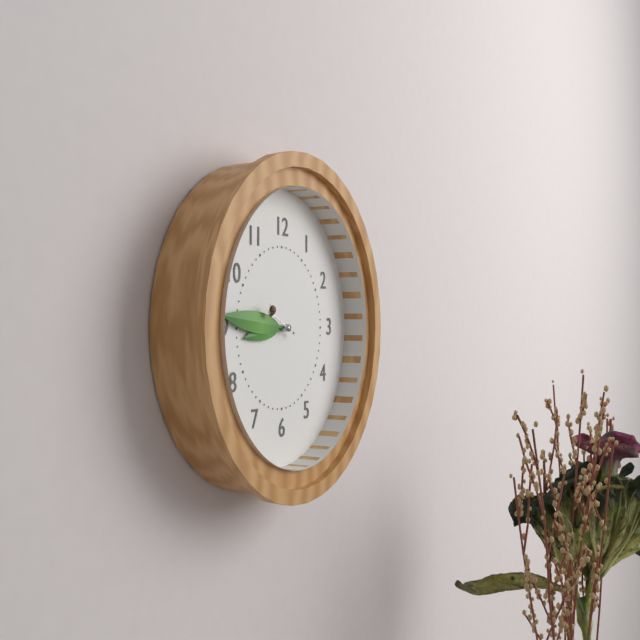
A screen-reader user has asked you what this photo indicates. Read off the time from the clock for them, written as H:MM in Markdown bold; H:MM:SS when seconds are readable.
**8:46**
